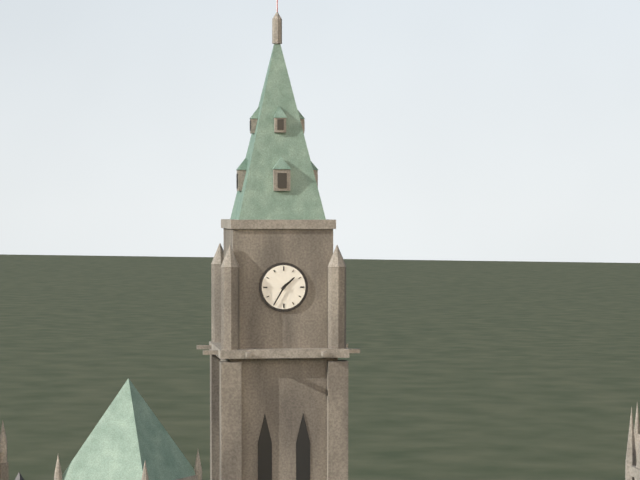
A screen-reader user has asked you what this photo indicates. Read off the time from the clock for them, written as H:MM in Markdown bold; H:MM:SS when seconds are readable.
**1:35**
